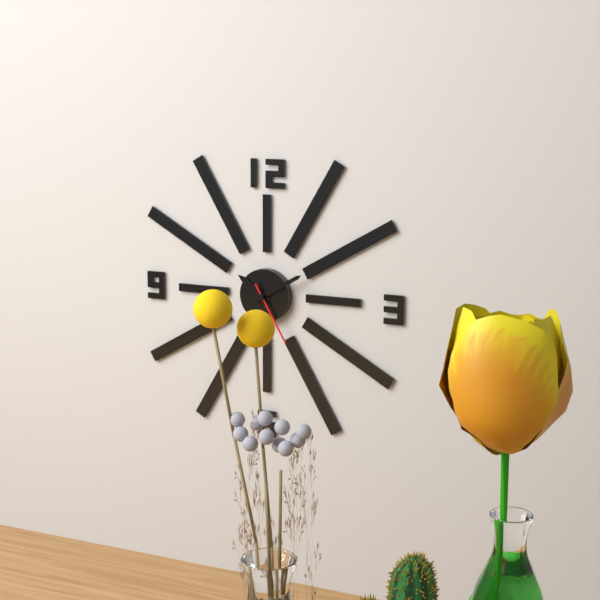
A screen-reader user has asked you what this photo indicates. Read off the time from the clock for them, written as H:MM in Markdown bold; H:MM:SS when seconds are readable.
**10:10:25**
